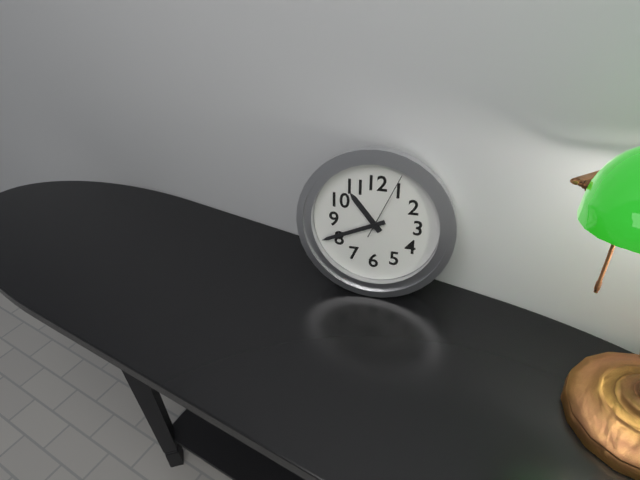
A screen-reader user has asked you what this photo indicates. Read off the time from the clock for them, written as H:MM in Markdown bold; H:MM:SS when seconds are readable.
**10:41:04**
